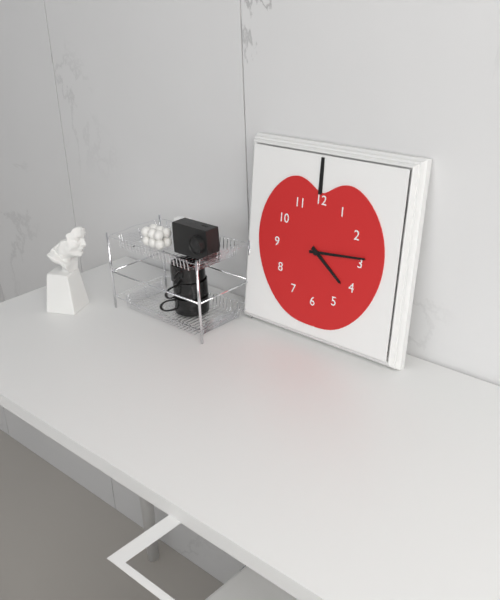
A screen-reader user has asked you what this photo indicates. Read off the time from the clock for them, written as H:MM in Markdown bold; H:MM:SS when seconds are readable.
**4:14**
